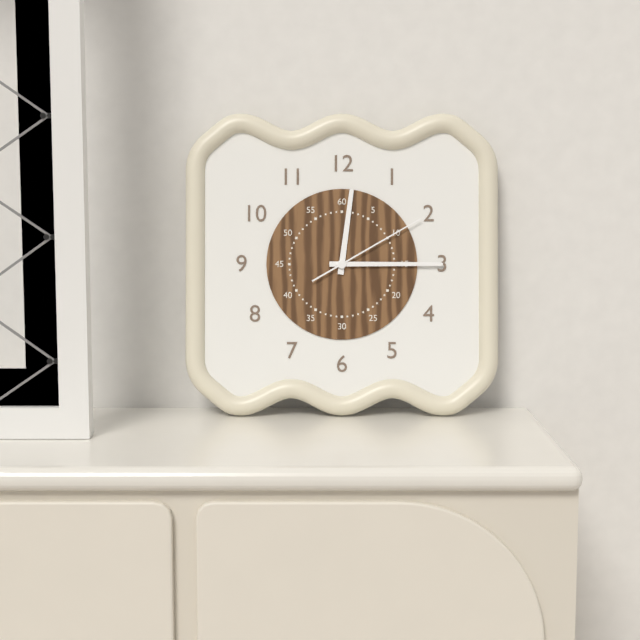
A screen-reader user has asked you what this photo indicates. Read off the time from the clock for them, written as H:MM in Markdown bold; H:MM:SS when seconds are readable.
**12:15:10**
